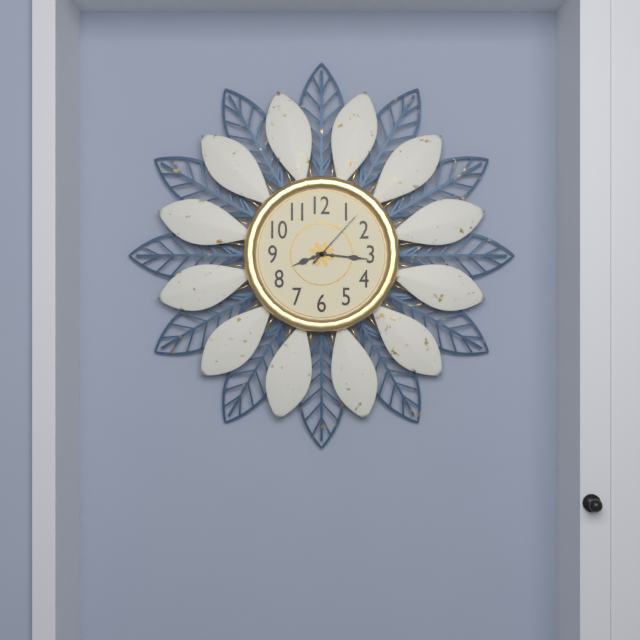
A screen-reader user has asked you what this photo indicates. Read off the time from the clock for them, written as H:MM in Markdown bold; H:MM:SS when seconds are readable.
**8:16:07**
